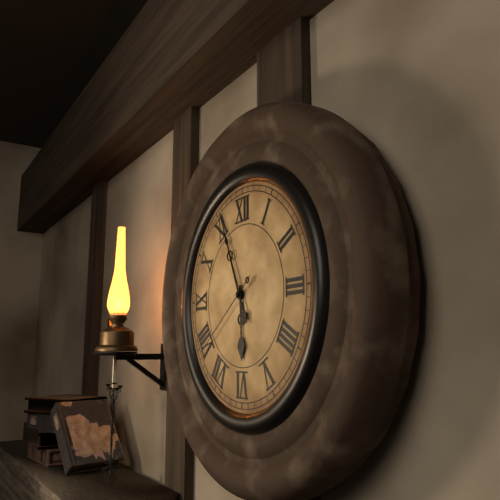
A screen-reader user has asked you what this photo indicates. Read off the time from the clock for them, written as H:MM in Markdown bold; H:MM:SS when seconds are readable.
**5:56:39**
